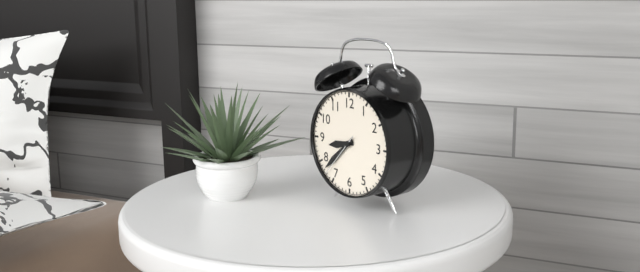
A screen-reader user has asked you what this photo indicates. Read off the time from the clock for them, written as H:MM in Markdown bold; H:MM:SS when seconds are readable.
**8:38:37**
